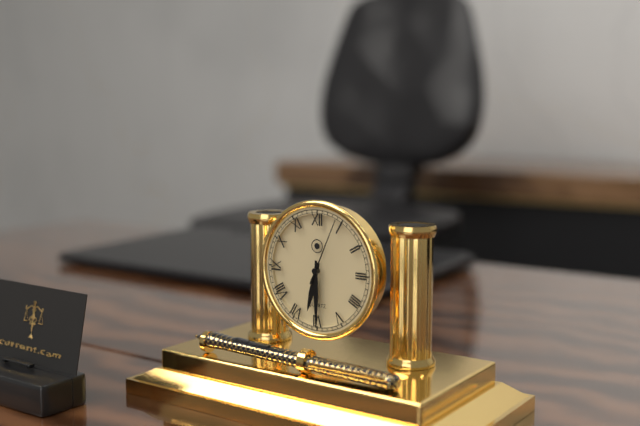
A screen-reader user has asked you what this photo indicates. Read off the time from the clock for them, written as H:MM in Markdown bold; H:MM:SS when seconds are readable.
**6:30:04**
